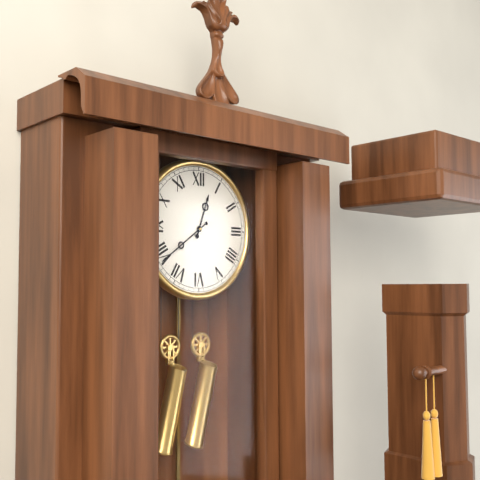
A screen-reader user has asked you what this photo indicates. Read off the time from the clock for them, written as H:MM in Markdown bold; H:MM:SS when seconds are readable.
**12:39**
